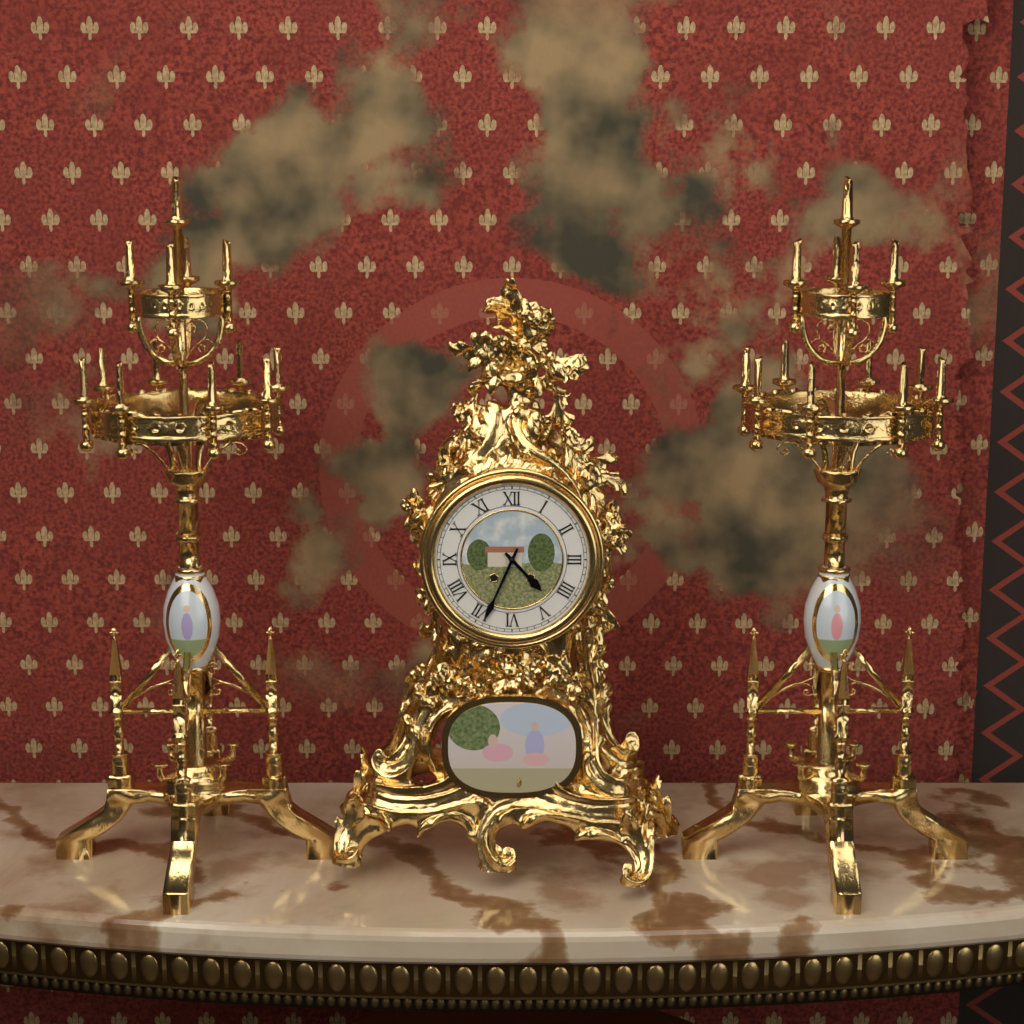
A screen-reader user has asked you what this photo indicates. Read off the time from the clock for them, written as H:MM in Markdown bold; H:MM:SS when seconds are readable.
**4:34**
